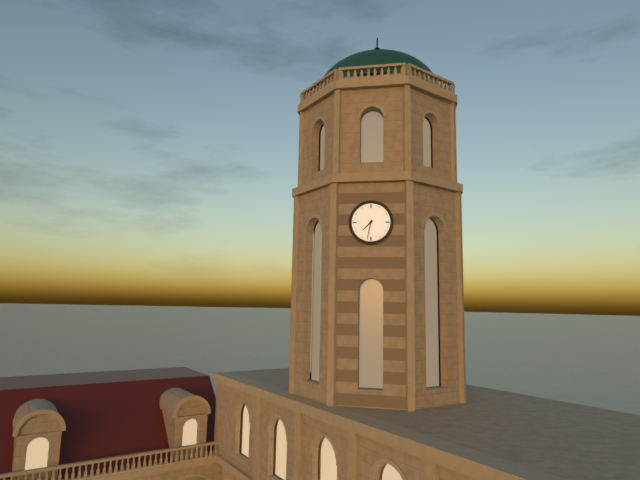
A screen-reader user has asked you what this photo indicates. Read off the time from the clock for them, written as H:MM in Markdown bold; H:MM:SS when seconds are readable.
**7:32**
